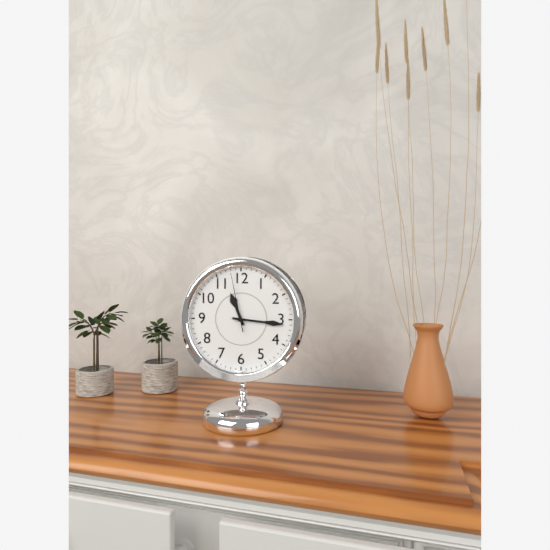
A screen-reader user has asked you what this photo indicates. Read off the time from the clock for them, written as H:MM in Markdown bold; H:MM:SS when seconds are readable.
**11:16:58**
